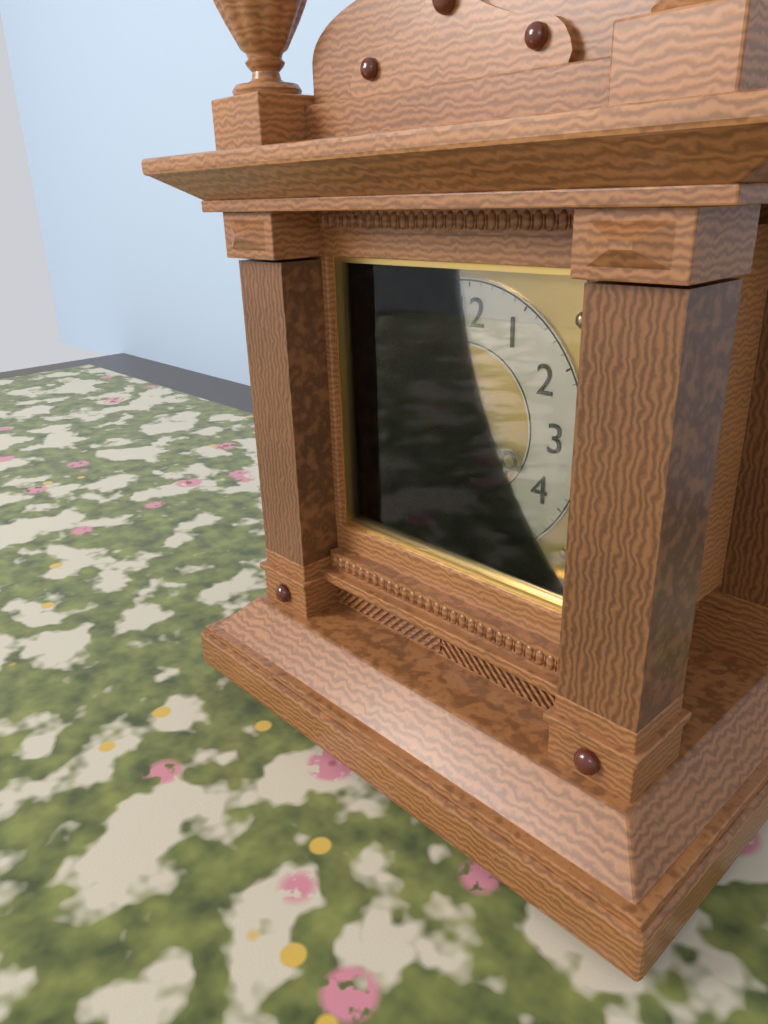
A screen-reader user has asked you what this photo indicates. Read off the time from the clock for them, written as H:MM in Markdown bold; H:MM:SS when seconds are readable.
**3:55**
